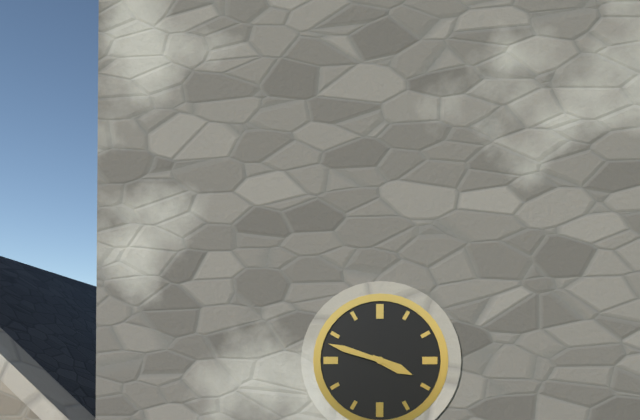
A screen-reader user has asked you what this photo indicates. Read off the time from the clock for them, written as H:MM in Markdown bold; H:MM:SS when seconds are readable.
**3:48**
